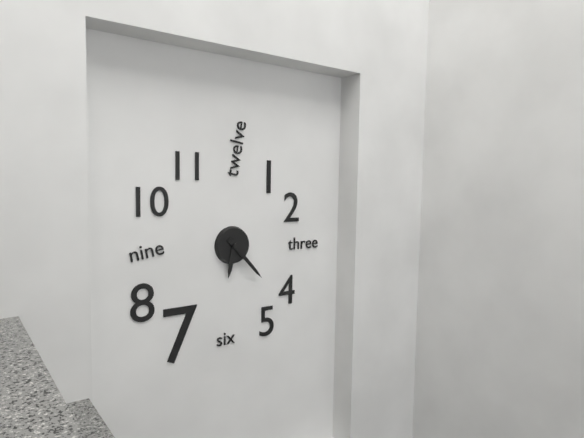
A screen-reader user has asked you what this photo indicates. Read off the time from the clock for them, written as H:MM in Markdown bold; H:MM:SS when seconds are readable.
**6:23**
